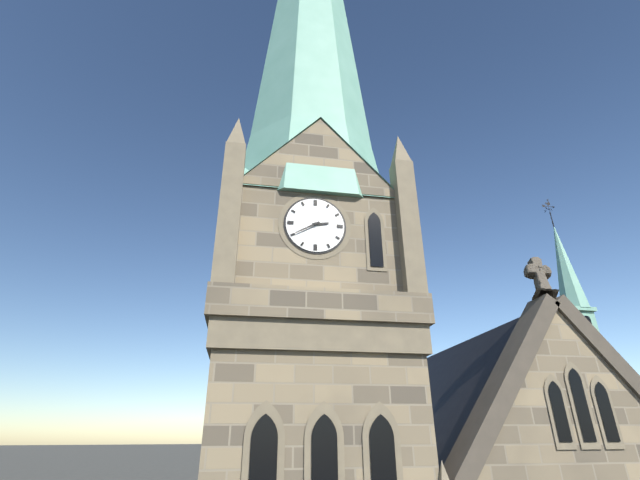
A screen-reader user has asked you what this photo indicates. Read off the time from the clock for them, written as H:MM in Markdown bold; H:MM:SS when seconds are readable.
**2:40**
